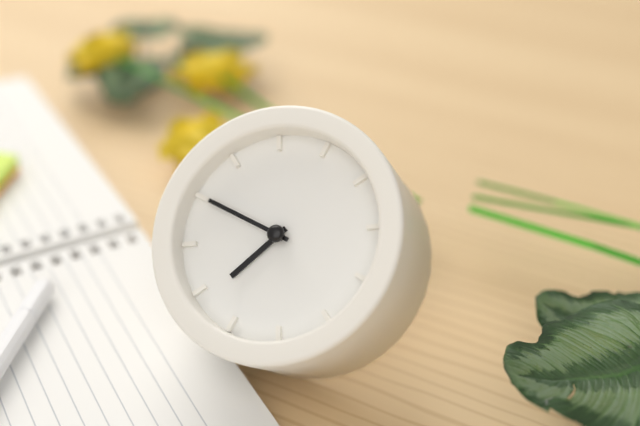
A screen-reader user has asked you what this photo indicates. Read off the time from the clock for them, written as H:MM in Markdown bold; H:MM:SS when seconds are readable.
**6:45**
